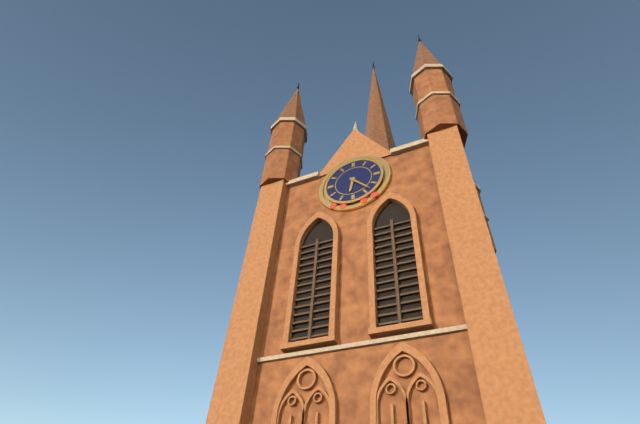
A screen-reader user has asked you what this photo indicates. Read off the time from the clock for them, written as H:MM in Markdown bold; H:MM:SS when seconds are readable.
**6:23**
